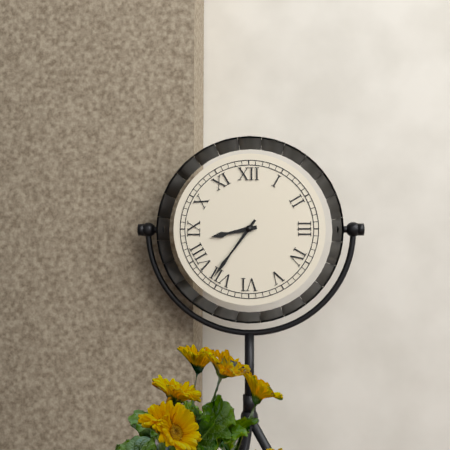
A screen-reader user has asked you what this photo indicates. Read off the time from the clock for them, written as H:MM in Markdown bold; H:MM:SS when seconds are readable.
**8:36**
